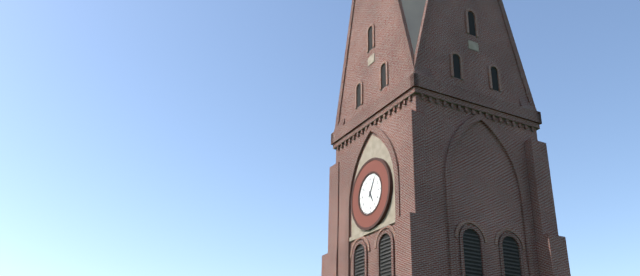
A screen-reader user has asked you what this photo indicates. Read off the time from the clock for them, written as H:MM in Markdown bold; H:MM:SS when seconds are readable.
**5:05**
